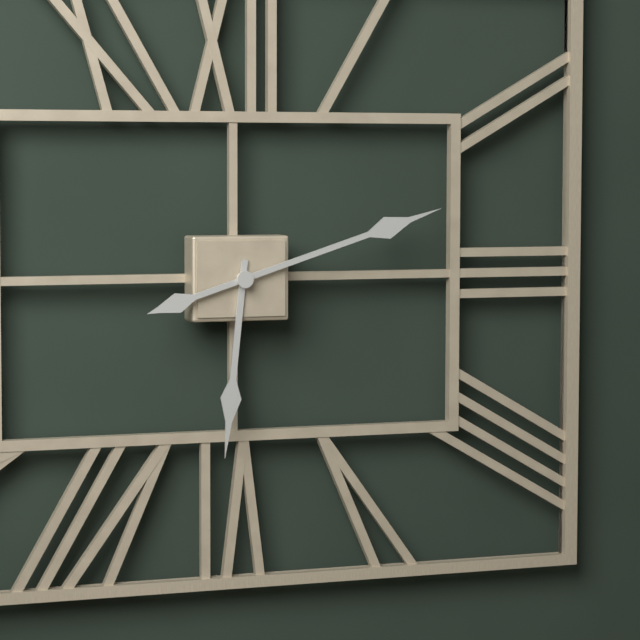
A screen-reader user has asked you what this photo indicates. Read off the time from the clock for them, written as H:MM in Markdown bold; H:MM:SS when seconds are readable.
**6:12**
